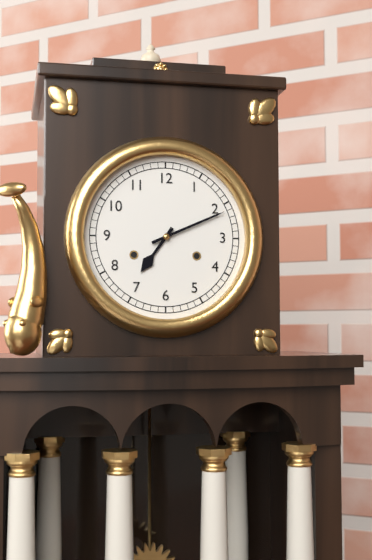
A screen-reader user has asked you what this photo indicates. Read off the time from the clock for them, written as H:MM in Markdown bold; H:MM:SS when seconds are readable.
**7:11**
